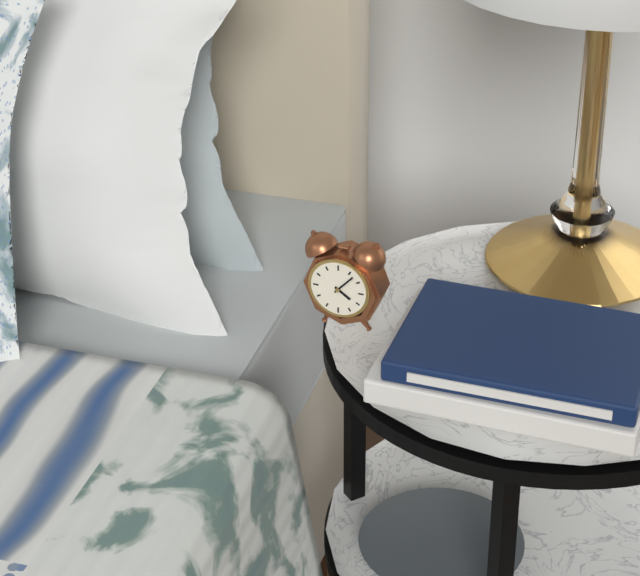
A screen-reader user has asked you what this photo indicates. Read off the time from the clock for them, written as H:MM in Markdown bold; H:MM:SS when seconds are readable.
**4:07**
